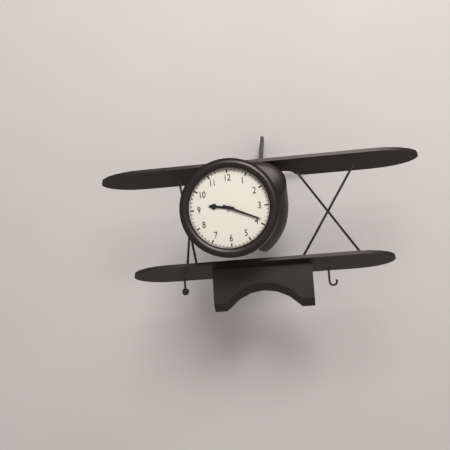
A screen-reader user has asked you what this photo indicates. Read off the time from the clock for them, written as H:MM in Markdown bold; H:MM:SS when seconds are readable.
**9:19**
